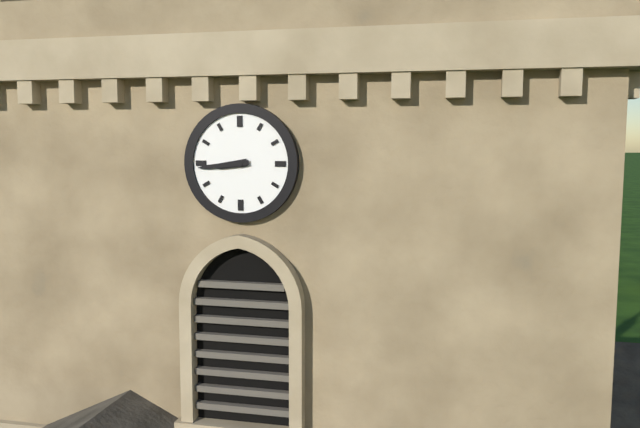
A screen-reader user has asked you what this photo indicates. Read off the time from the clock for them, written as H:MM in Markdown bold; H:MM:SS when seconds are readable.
**8:44**
